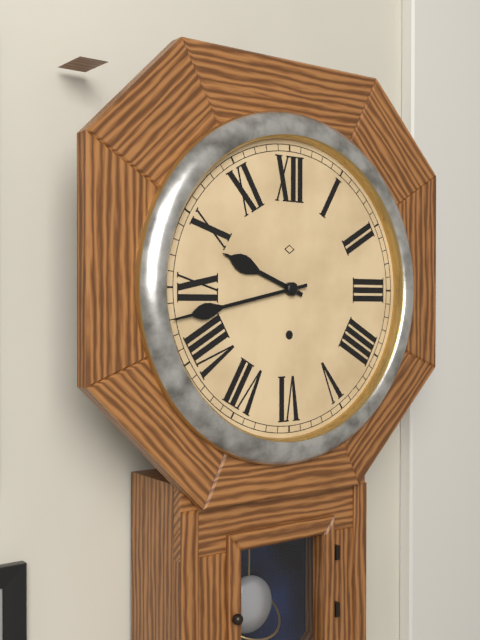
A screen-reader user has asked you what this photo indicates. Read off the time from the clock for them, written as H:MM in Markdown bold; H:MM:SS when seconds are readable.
**9:43**
